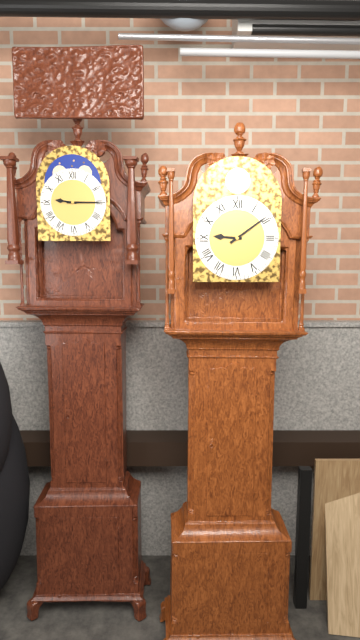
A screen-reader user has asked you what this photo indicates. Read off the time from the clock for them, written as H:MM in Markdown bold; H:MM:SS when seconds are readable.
**9:09**
